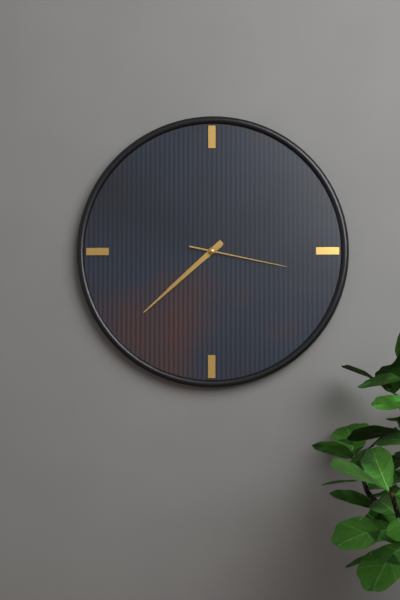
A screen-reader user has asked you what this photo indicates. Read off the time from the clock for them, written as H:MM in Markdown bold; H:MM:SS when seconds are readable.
**7:38:17**
